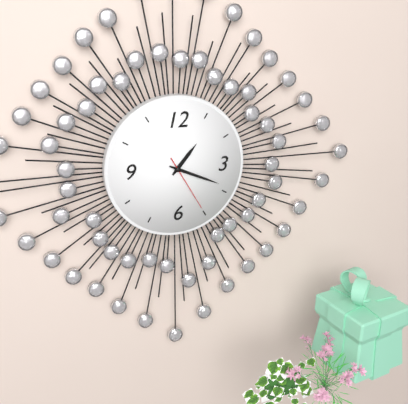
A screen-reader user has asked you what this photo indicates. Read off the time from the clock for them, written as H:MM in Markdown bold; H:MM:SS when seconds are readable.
**1:19:25**
